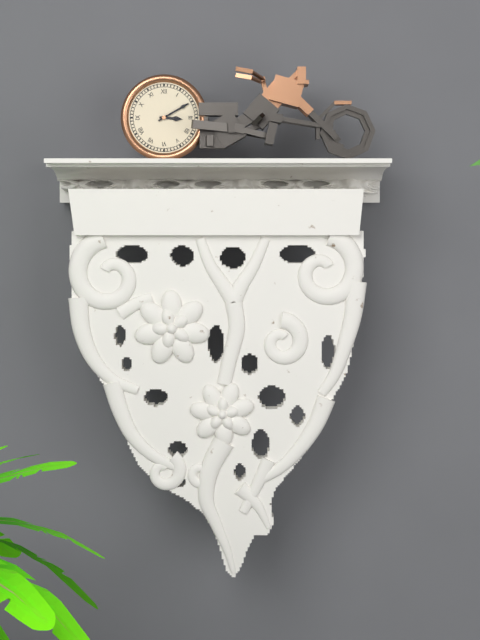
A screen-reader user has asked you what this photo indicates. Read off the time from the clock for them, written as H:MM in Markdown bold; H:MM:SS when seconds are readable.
**3:10**
